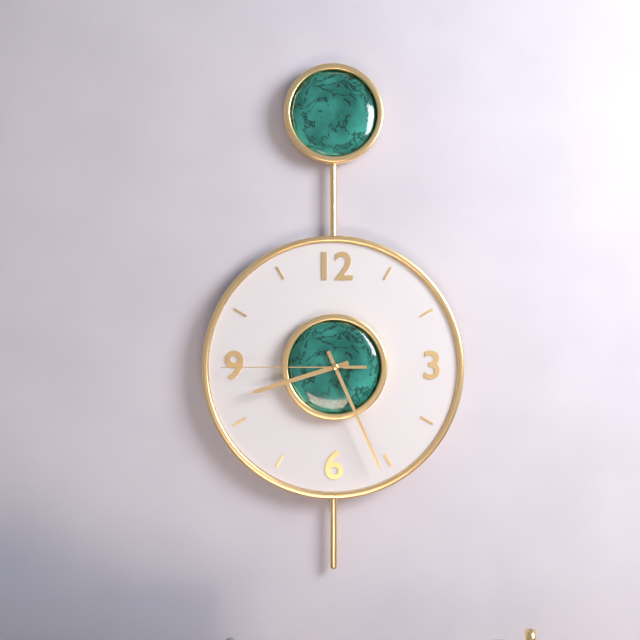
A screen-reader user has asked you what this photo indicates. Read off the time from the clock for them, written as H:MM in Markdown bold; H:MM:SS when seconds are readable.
**8:26:45**
